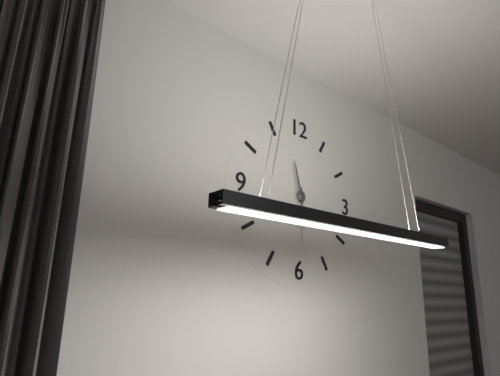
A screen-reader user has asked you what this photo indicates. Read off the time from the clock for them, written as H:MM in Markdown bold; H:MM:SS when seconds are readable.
**11:30**
